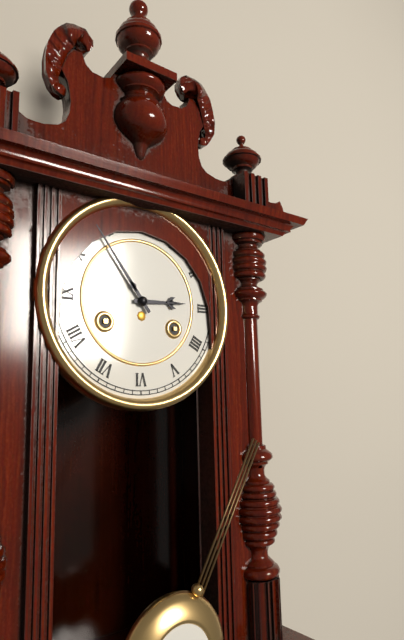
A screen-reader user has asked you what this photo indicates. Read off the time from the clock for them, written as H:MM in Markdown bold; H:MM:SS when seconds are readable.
**2:54**
